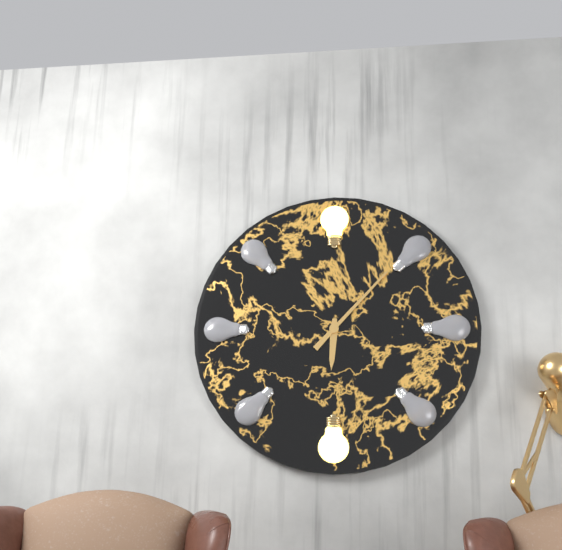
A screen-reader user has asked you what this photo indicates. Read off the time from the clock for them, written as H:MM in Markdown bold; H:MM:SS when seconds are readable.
**6:07**
